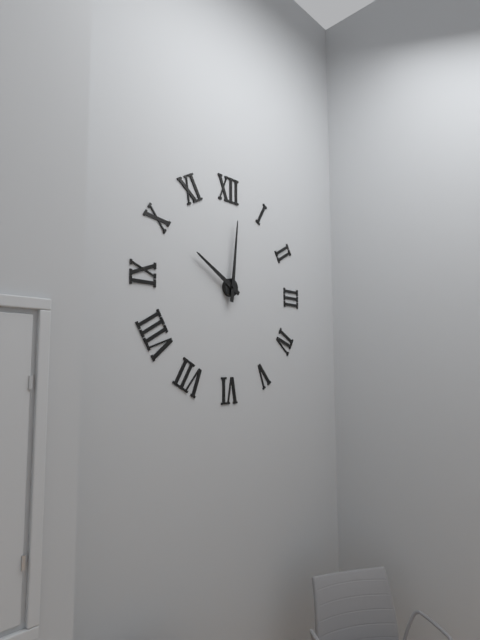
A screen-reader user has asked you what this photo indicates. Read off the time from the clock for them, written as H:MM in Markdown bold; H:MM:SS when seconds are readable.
**10:01**
